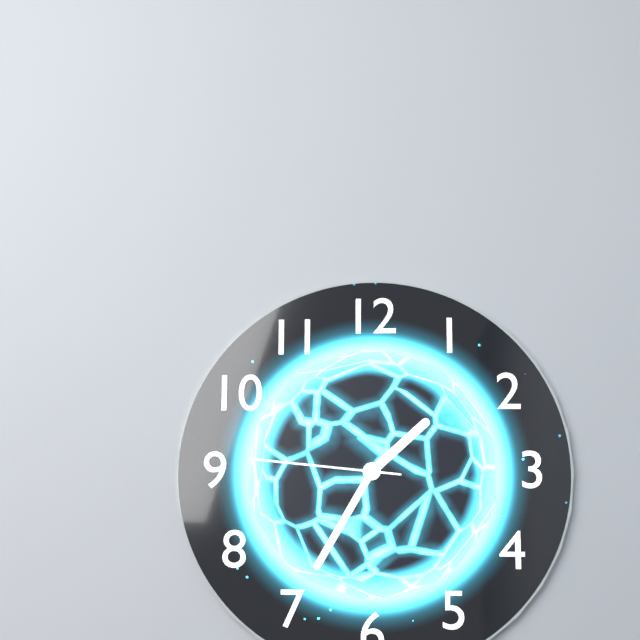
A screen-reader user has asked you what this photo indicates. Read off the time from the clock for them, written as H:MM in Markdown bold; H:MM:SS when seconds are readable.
**1:35:46**
